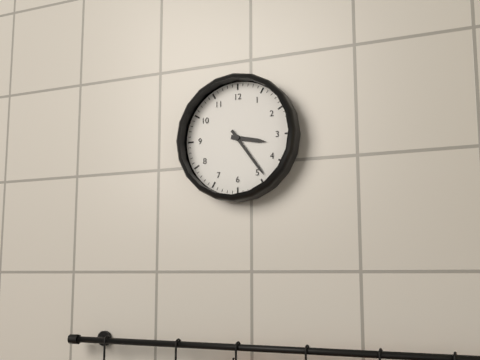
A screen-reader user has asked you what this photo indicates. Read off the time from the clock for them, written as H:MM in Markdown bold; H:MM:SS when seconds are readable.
**3:24**
